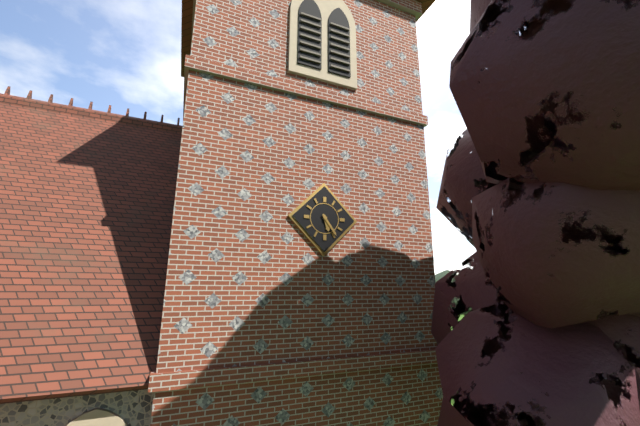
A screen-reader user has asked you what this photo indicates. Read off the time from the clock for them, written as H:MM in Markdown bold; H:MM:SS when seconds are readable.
**5:24**
